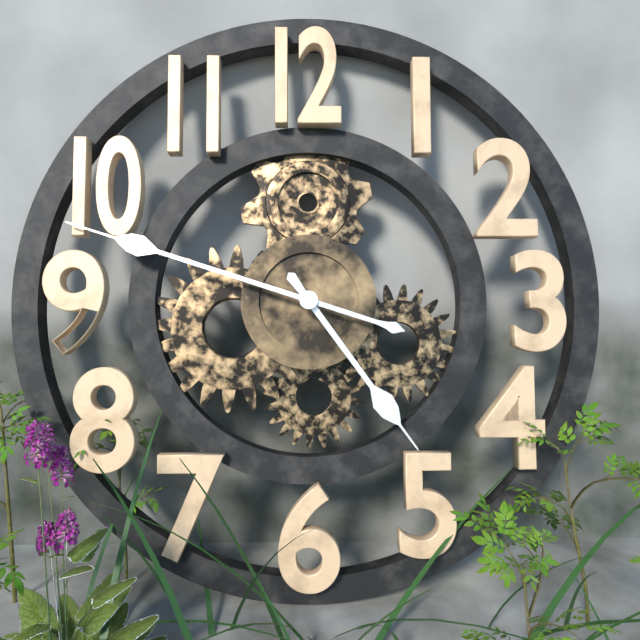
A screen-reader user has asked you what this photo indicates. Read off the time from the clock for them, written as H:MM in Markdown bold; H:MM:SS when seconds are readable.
**4:48**
